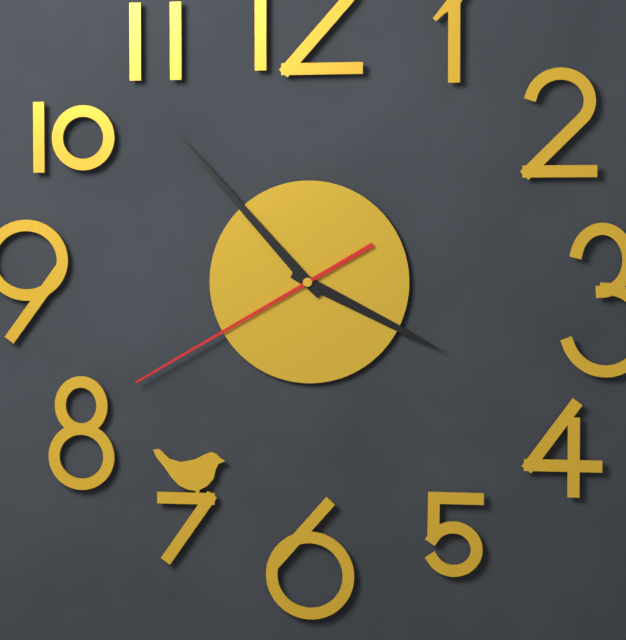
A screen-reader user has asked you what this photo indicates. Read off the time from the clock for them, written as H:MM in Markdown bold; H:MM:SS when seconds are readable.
**3:53:40**
